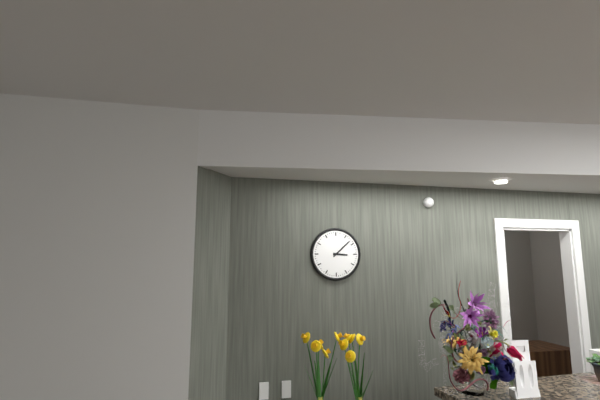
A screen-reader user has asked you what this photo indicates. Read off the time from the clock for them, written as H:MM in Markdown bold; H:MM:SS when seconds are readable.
**3:08**
